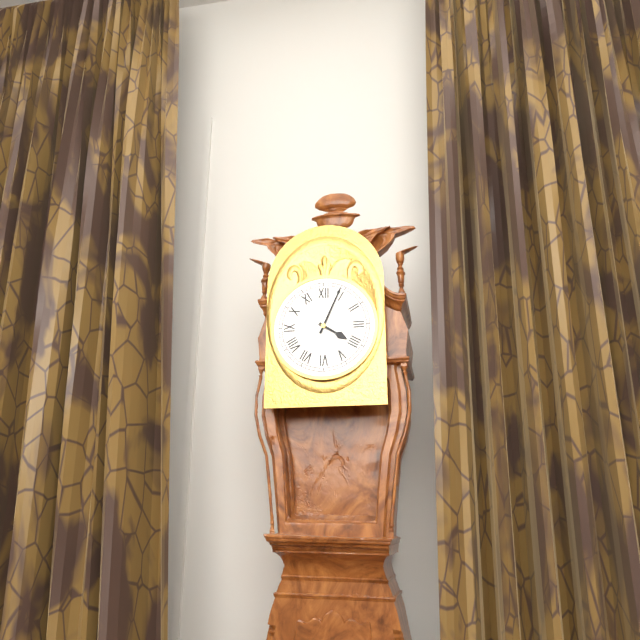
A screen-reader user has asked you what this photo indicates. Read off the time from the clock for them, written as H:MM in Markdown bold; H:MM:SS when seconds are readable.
**4:04**
